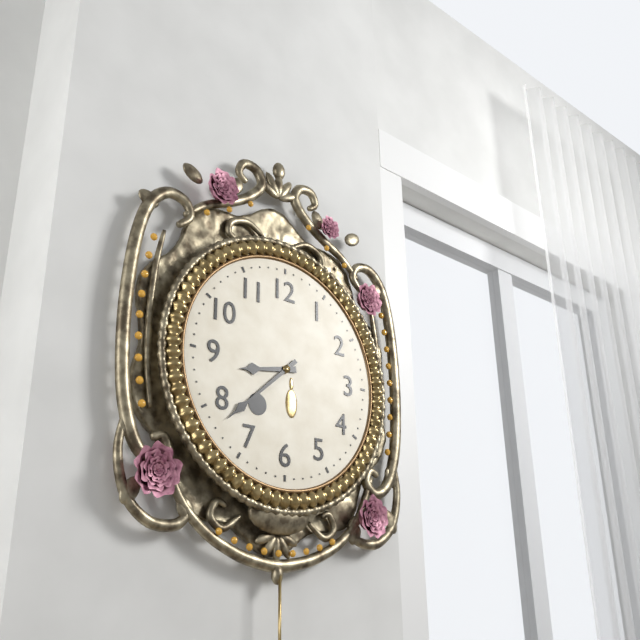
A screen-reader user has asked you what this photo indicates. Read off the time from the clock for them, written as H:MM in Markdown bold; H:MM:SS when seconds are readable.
**8:38**
